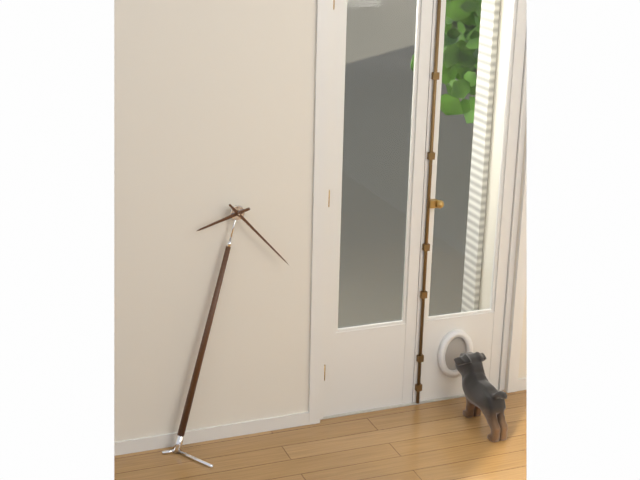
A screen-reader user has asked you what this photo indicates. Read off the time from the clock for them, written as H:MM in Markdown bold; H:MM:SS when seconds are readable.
**8:23**
